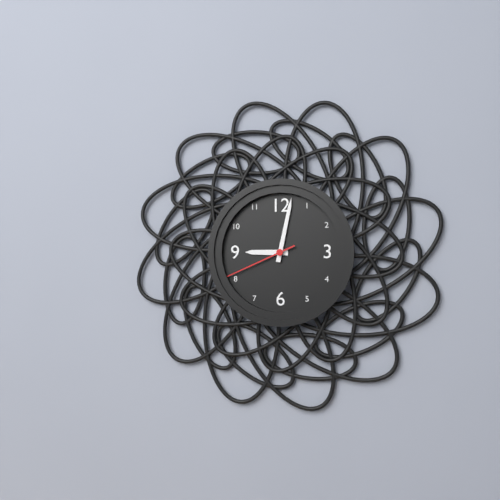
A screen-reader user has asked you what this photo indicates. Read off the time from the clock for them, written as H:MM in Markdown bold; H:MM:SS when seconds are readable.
**9:02:41**
